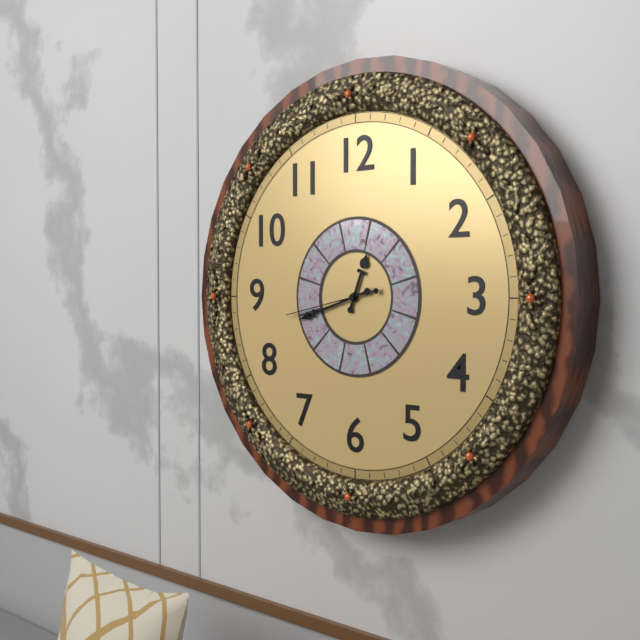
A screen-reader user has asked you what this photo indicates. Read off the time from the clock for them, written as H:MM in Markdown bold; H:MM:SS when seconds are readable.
**12:42:43**
